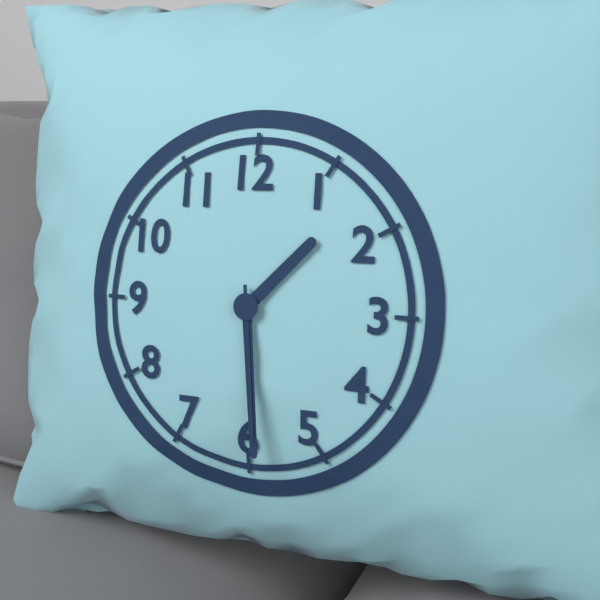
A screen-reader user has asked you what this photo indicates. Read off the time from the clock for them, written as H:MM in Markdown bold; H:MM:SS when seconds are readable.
**1:29:29**
